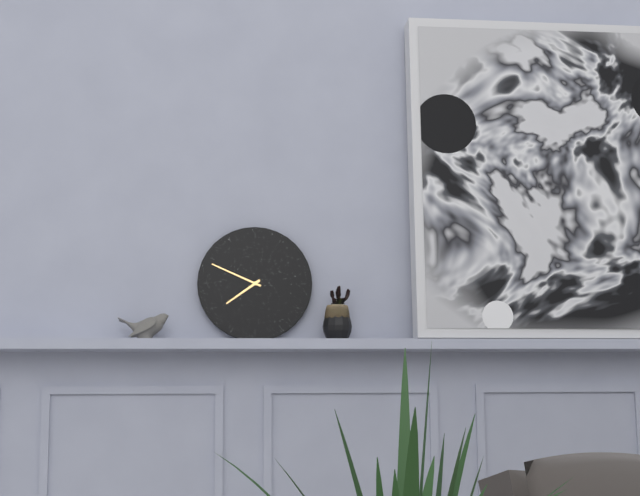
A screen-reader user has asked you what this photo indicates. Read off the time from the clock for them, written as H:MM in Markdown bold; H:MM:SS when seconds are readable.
**7:49**
